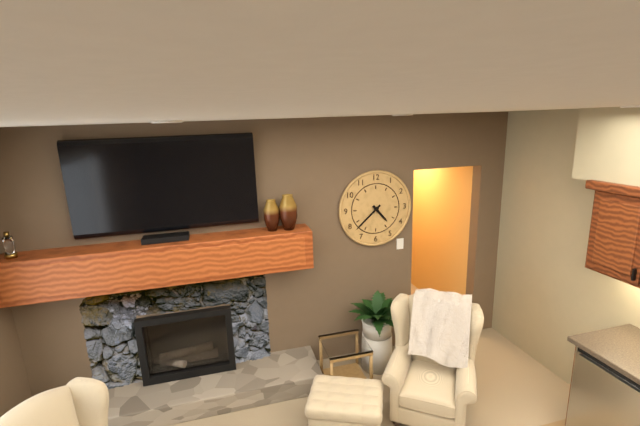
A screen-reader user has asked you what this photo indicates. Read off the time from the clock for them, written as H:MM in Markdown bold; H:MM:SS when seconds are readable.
**4:38**
